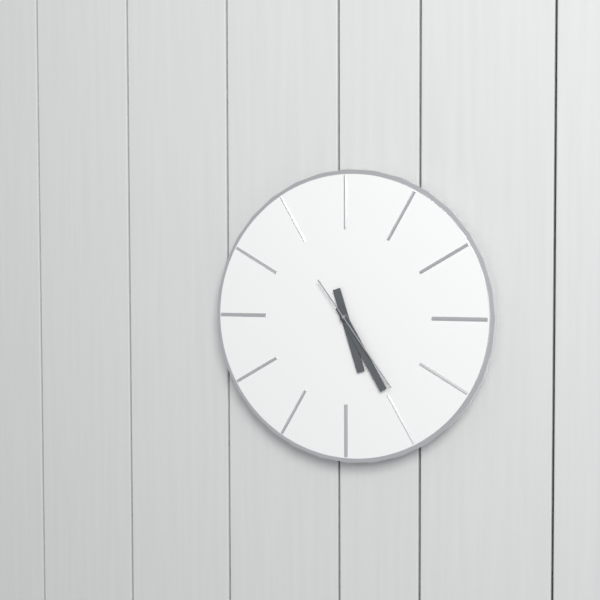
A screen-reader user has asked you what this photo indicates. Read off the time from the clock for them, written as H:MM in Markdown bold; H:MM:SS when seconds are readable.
**5:25:24**
